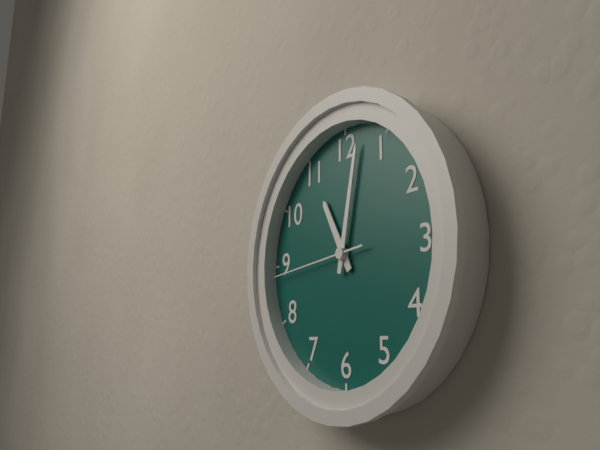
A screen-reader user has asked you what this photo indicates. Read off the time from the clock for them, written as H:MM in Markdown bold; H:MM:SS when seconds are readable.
**11:02:44**
